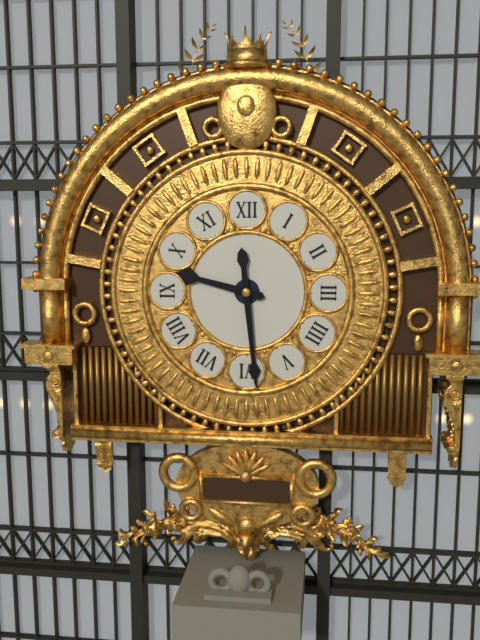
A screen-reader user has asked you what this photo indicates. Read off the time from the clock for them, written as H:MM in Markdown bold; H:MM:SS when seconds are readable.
**9:29**
